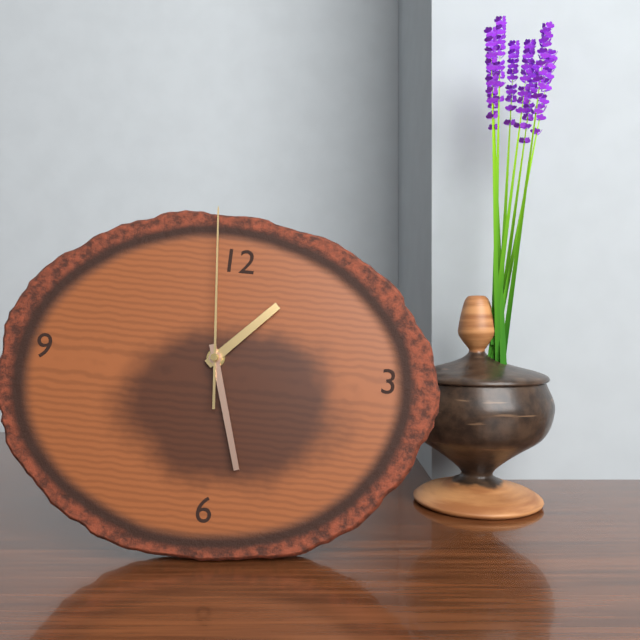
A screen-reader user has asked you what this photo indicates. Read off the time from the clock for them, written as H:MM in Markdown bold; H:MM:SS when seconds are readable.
**1:27:59**
